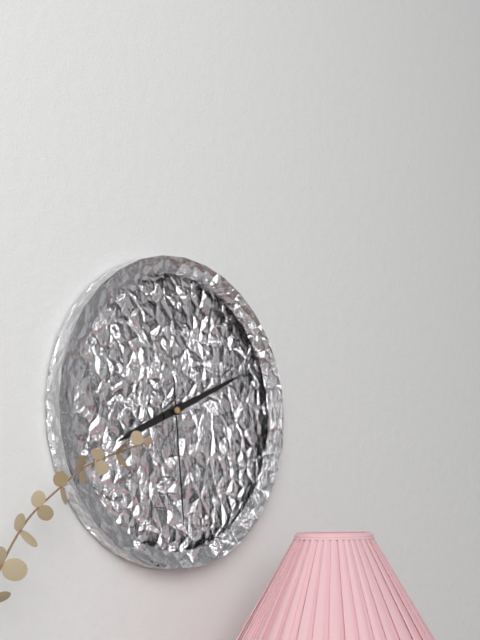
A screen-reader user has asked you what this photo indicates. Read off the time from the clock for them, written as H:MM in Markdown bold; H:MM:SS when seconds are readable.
**8:11:29**
